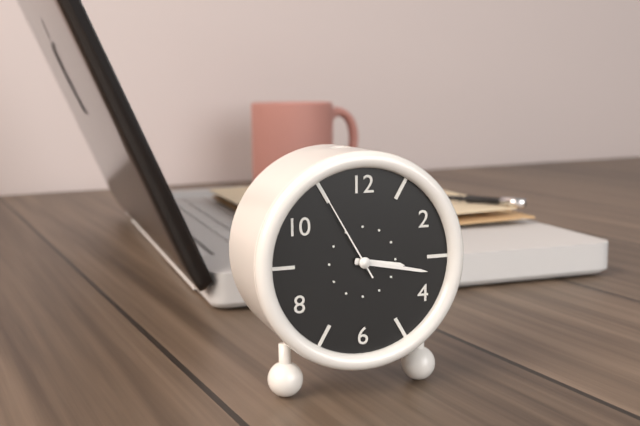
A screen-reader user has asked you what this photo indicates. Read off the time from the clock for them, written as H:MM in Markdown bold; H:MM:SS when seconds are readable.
**3:17:55**
